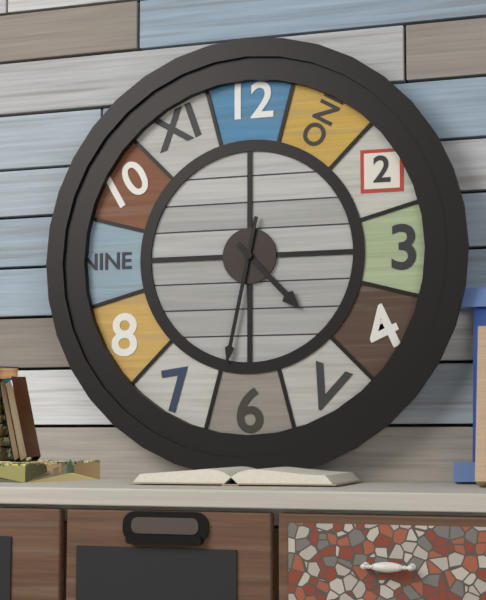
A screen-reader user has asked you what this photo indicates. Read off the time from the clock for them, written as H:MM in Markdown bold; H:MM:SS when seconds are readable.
**4:32**
